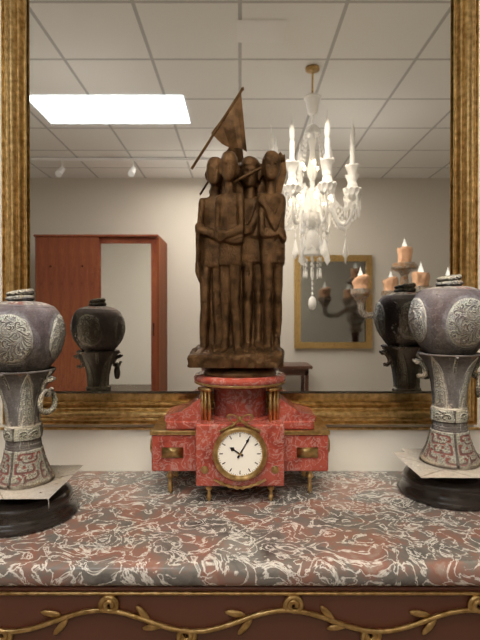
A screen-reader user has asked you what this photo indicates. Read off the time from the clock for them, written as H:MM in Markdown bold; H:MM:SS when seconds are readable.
**10:05**
